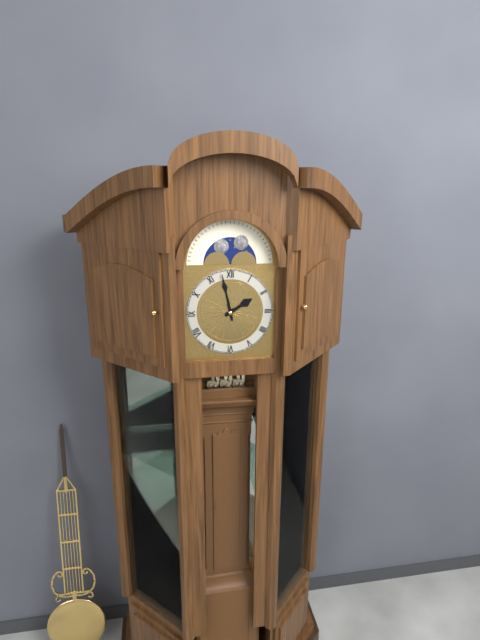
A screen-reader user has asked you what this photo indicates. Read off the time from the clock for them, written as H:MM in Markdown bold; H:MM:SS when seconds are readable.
**1:58**
